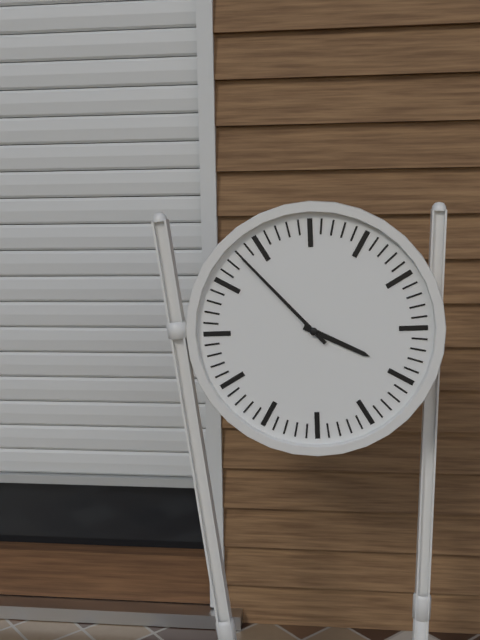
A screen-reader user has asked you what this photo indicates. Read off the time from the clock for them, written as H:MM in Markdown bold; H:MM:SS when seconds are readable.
**3:53**
